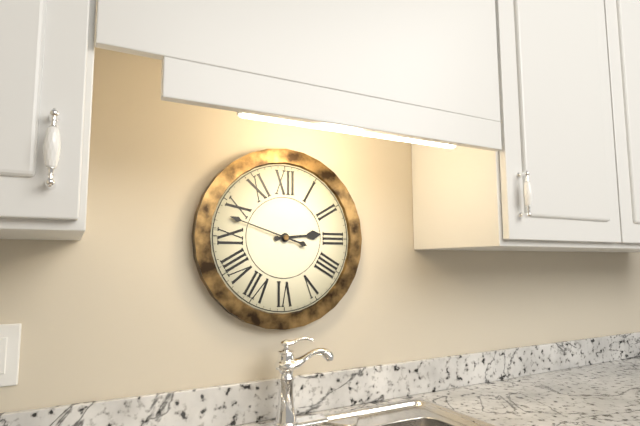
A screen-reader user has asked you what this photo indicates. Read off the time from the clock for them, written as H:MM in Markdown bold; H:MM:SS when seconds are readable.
**2:48**
